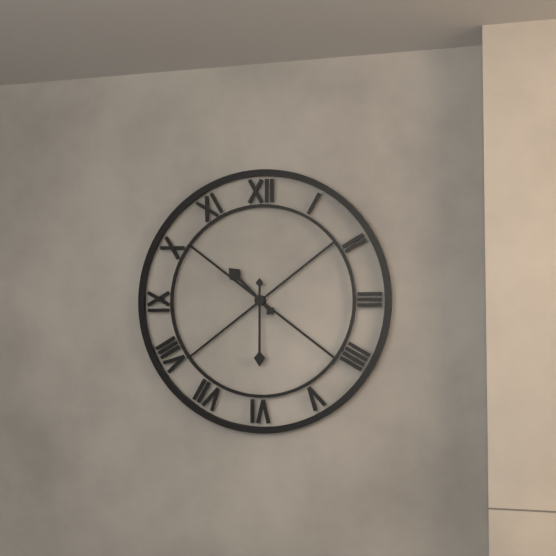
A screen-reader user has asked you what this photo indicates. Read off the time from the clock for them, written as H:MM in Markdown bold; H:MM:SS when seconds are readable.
**10:30**
